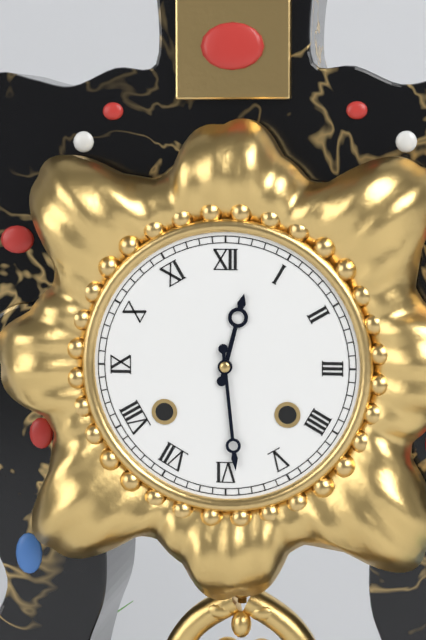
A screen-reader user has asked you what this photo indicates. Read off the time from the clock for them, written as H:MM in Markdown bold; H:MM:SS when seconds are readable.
**12:29**
